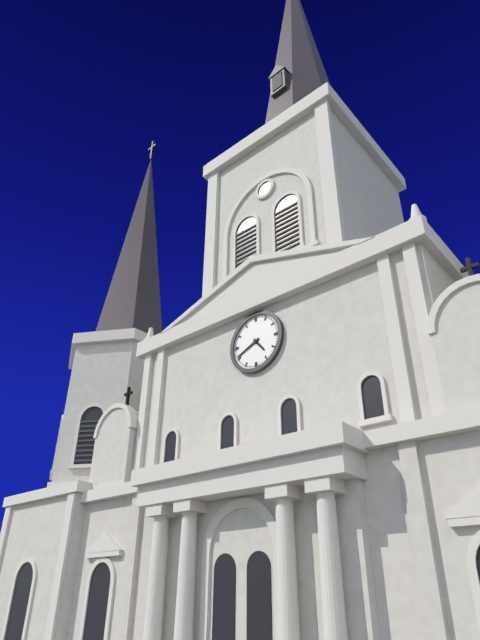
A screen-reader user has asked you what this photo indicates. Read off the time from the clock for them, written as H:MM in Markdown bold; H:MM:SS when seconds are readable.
**4:41**
